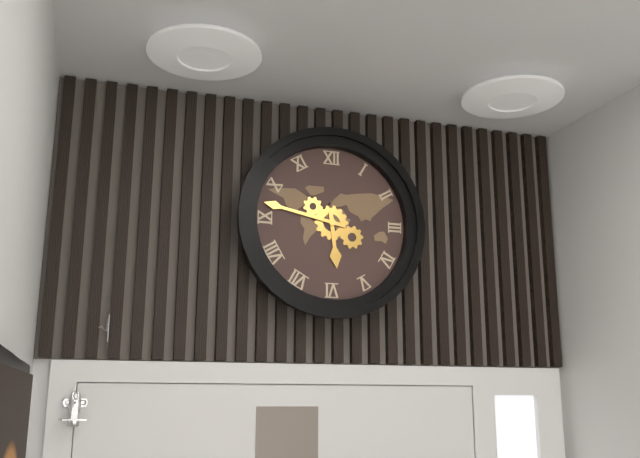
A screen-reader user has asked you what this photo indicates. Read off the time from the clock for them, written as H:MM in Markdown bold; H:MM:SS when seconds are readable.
**5:47**
